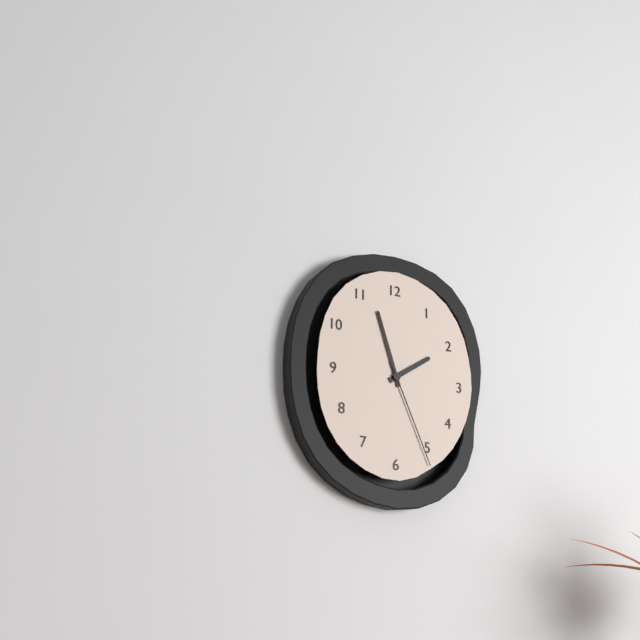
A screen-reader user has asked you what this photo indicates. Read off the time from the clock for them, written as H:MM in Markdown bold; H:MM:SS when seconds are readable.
**1:57:26**
